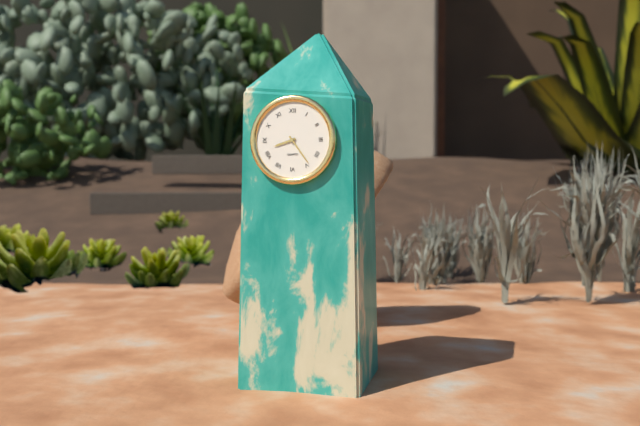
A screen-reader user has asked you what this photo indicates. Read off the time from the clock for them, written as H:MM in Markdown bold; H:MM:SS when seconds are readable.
**8:24**
